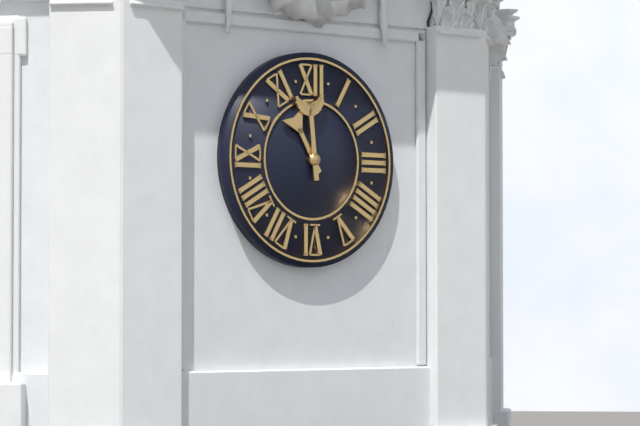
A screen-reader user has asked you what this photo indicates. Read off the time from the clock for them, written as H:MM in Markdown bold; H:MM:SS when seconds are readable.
**10:59**
